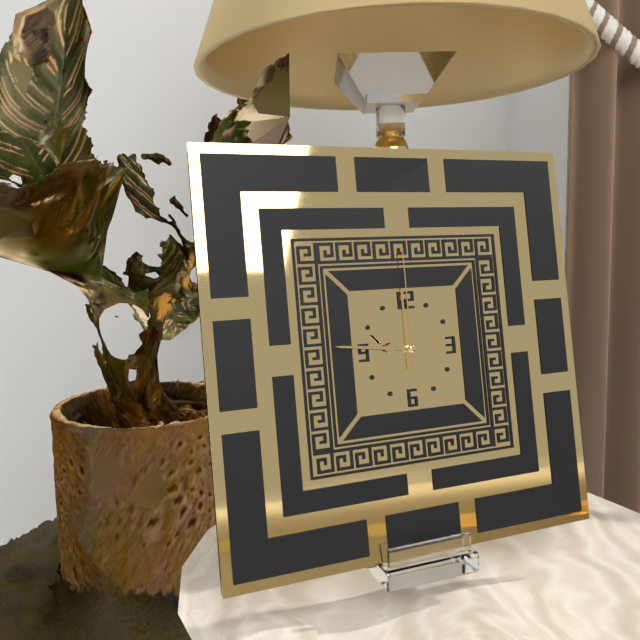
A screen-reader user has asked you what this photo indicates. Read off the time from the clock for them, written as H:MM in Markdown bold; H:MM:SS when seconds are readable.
**9:46:00**
